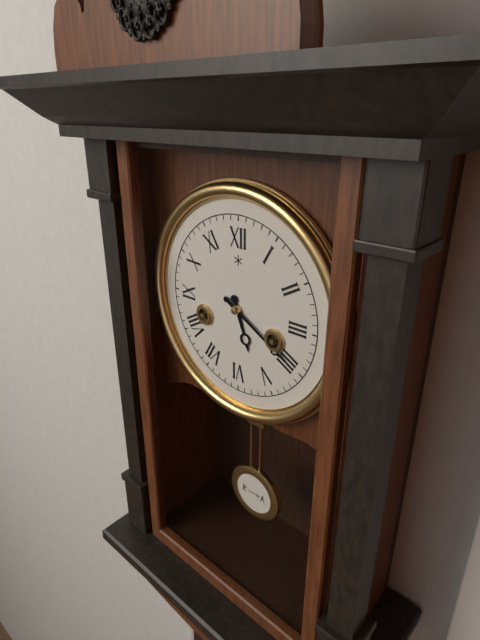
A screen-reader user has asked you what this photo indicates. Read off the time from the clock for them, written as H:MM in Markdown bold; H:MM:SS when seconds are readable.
**5:20**
